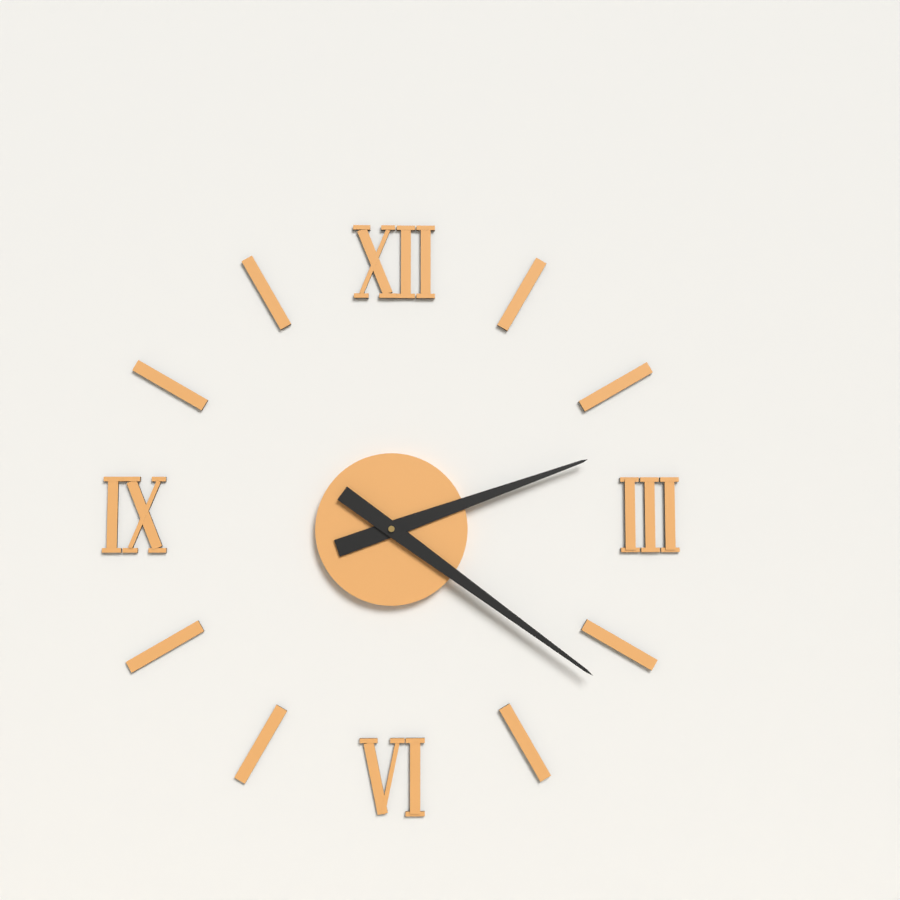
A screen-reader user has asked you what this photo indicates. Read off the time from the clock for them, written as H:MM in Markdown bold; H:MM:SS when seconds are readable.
**2:21**
